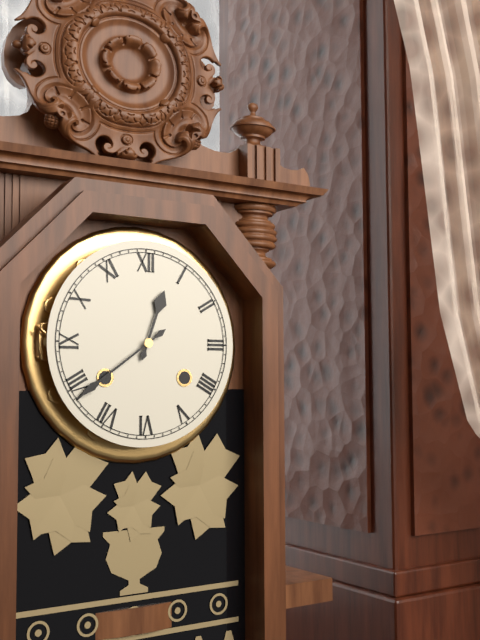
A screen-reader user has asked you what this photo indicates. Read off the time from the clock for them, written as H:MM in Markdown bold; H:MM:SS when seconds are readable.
**12:39**
